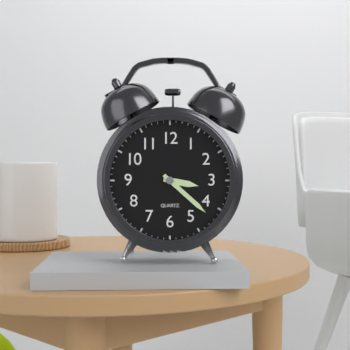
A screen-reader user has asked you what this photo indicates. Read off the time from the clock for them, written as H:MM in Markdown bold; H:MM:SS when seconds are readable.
**3:22**
